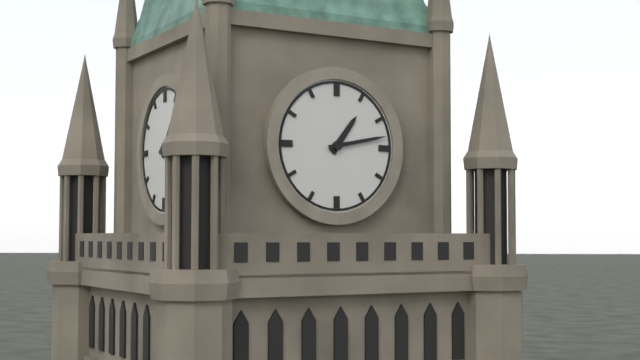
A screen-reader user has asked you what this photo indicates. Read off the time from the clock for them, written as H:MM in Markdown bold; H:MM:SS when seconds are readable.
**1:13**
